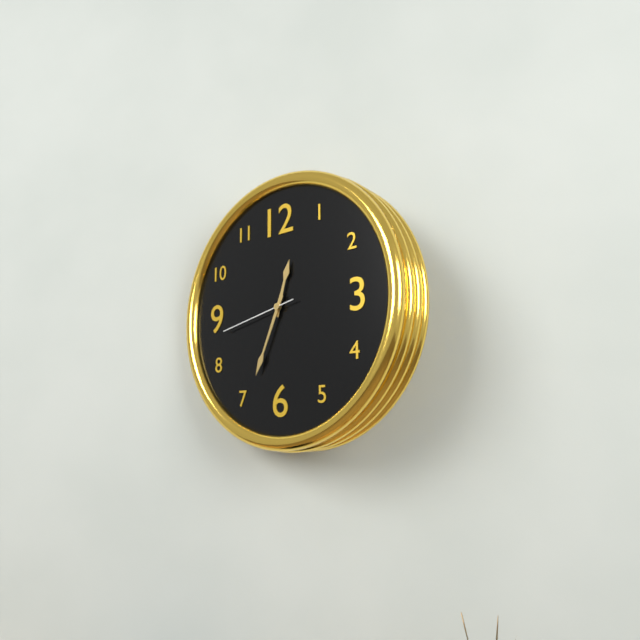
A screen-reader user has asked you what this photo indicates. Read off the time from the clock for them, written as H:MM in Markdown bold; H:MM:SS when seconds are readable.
**12:34:43**
